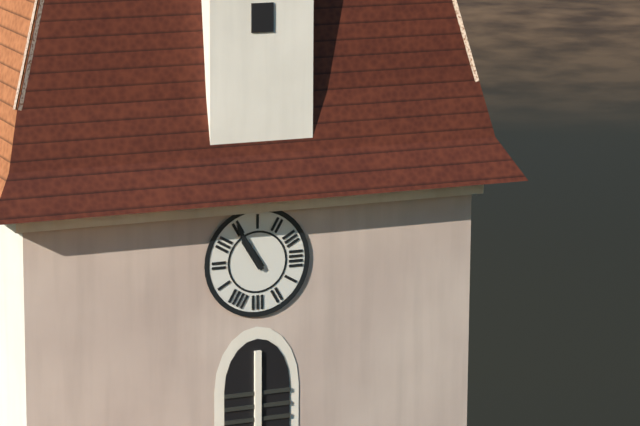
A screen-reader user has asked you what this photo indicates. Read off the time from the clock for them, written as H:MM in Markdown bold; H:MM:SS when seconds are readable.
**10:55**
